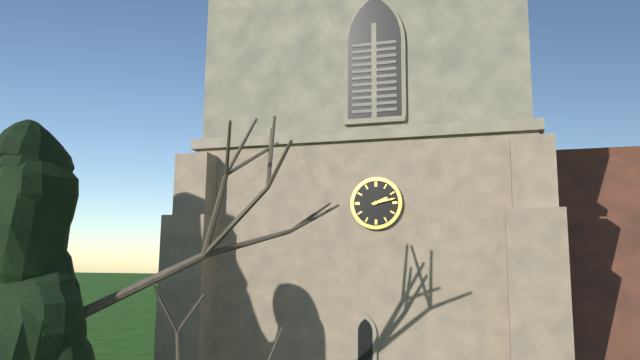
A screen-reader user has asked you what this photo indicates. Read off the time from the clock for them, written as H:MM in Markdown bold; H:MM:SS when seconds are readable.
**2:13**
